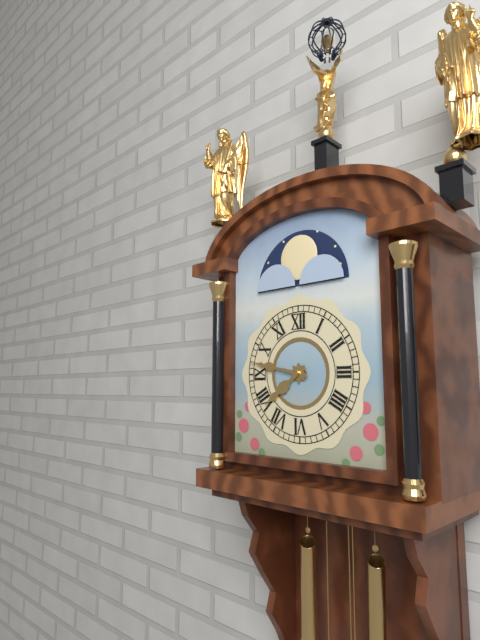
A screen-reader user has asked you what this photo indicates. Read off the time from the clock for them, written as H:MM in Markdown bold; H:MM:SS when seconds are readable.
**7:47**
